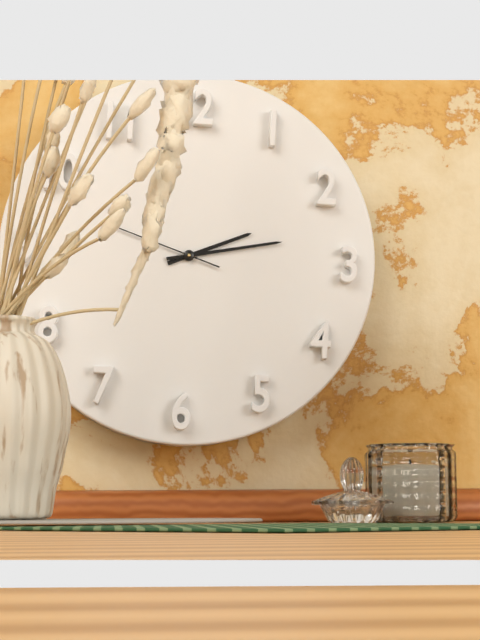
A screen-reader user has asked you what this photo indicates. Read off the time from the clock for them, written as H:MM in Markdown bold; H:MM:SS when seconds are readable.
**2:13**
